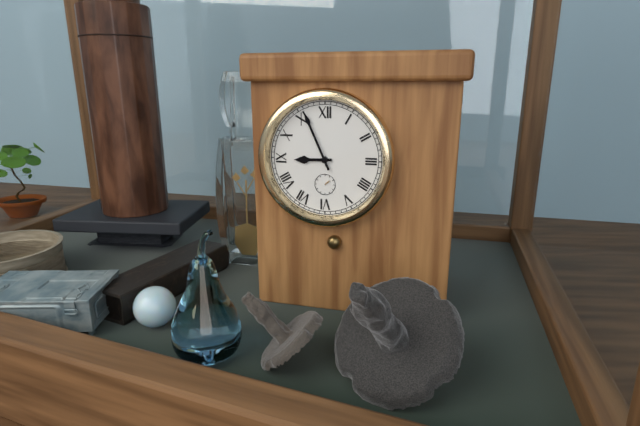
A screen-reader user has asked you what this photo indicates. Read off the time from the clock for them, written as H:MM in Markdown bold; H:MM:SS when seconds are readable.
**8:56**
